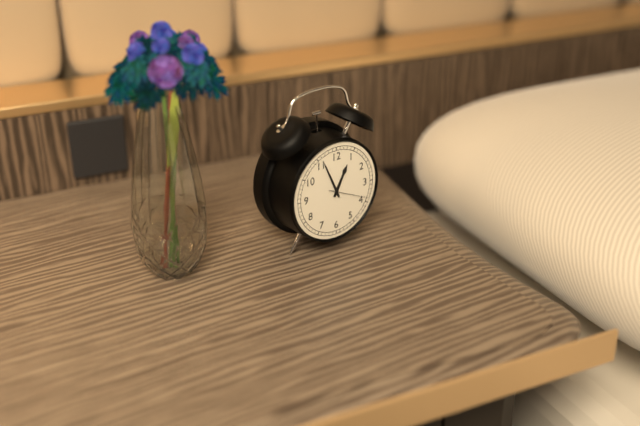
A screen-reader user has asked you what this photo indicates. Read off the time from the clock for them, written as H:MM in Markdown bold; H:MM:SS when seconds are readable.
**12:56**
